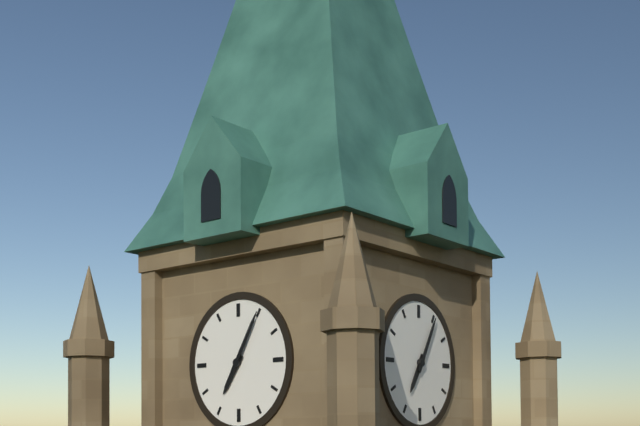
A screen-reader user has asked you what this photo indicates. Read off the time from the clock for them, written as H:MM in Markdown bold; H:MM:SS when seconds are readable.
**7:05**
